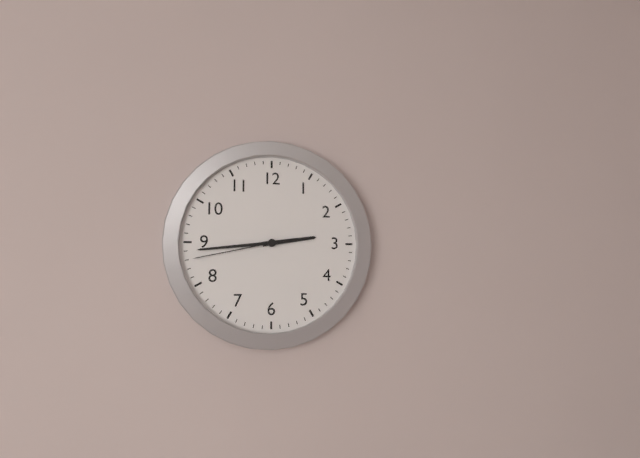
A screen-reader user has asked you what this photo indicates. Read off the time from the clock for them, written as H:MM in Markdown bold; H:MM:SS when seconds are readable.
**2:44:43**
